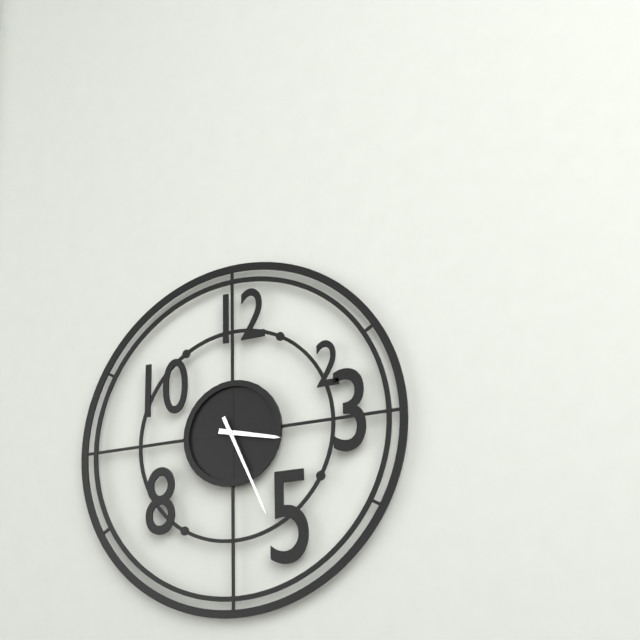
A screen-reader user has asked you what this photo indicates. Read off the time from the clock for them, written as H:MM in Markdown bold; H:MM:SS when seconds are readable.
**3:26**
